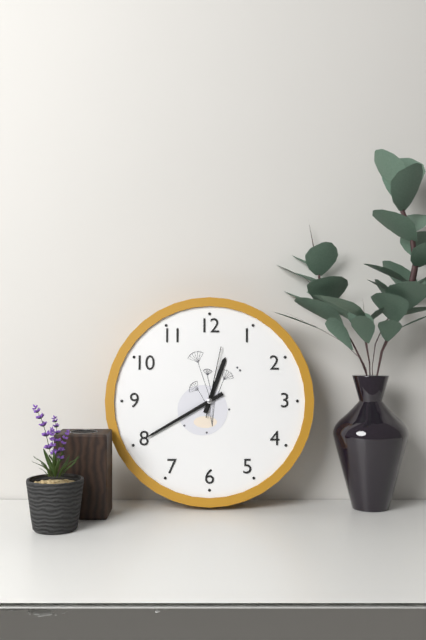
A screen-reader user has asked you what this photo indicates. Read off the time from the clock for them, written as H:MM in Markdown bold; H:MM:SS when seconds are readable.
**12:40:02**
